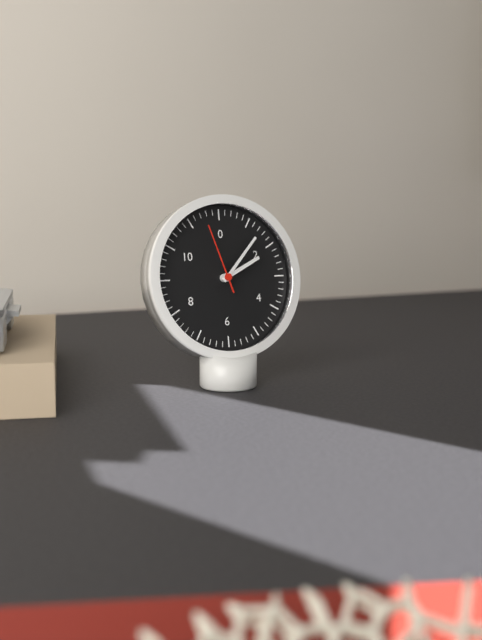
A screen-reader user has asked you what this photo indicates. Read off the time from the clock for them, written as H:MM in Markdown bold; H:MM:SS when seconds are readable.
**2:07:57**
